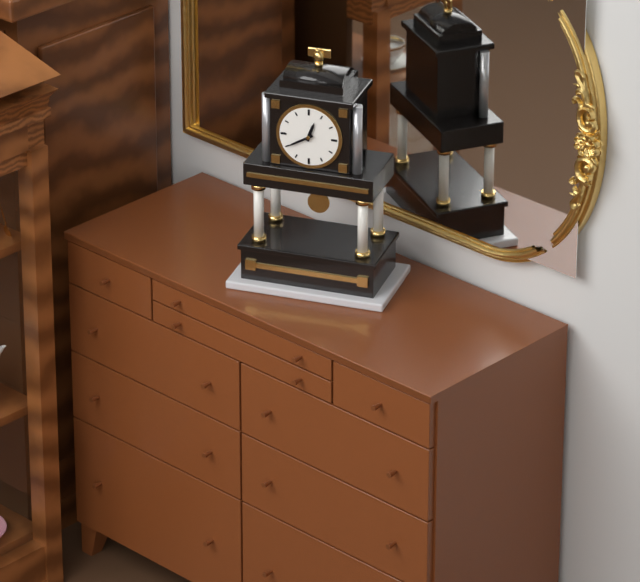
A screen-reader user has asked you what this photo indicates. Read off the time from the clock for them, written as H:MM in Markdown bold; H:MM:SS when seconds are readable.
**12:40**
